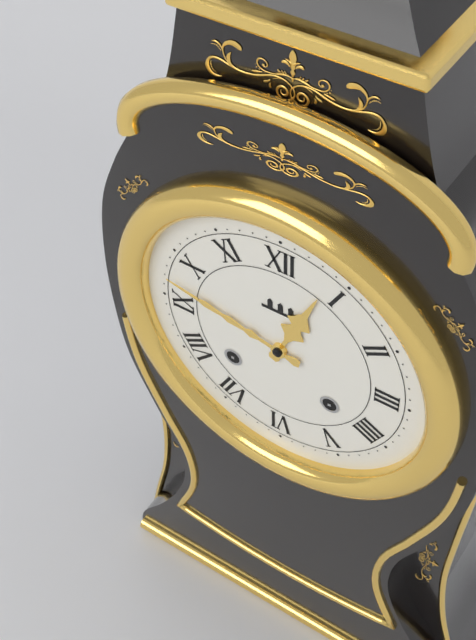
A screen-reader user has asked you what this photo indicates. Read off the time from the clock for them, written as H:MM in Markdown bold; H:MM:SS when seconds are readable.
**12:47**
